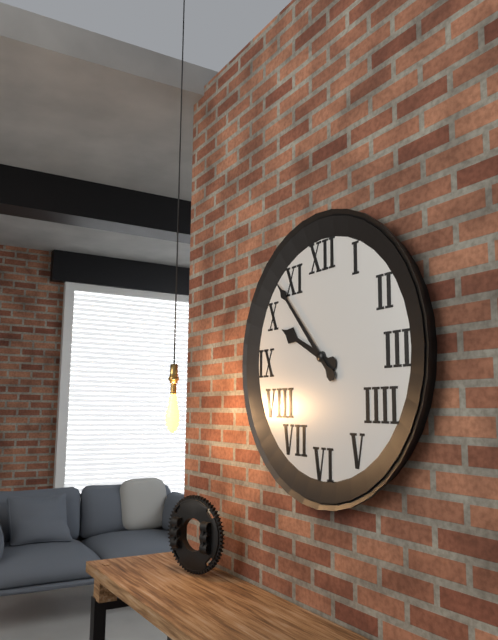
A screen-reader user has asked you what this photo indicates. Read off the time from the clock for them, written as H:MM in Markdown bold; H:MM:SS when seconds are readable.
**9:53**
